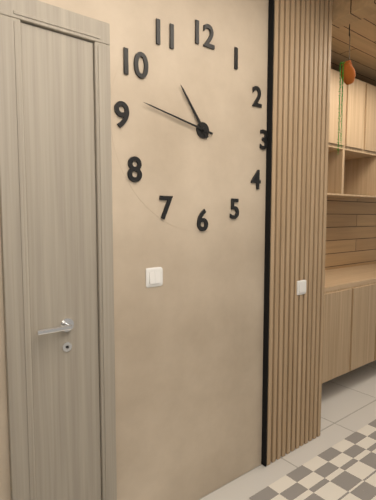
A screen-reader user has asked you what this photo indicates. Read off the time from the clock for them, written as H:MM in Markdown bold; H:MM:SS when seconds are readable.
**10:47**
